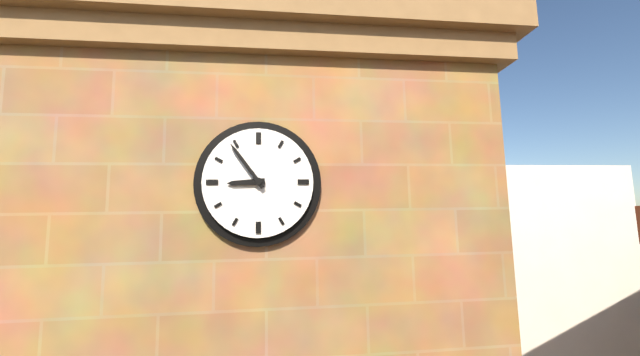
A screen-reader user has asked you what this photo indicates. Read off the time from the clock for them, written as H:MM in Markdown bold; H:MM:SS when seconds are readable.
**8:54**
